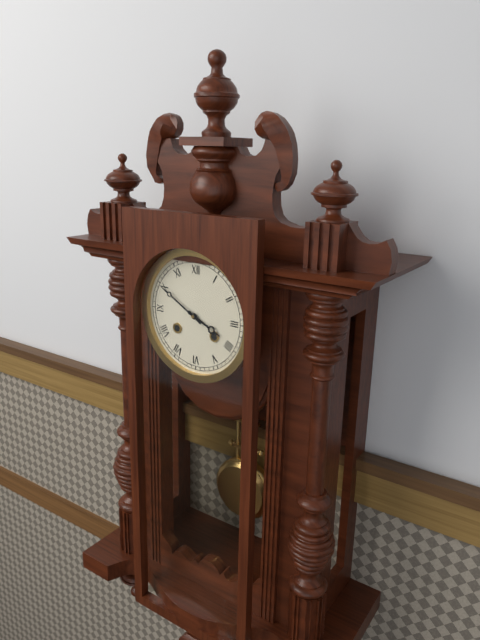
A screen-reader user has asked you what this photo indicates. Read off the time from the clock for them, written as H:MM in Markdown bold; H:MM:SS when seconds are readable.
**3:50**
